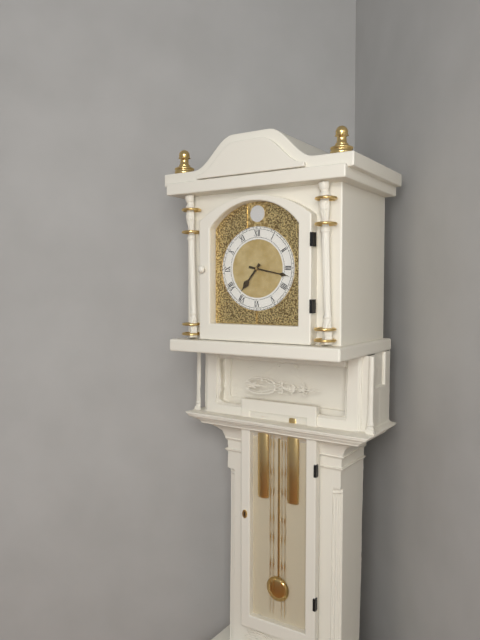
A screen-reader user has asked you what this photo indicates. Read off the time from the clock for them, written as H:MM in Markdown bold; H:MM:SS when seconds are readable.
**7:17**
